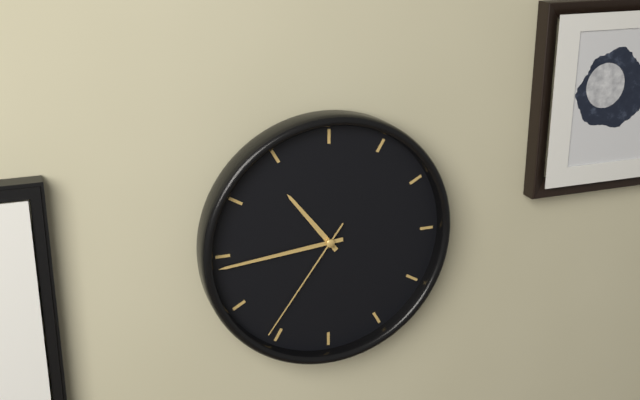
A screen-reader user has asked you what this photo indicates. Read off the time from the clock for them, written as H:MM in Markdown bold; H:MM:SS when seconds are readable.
**10:44:36**
